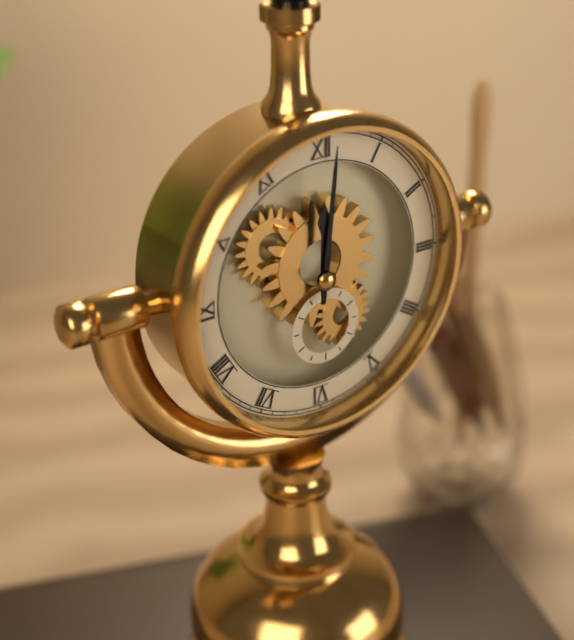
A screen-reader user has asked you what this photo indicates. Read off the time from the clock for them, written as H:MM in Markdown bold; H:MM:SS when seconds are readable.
**12:01**
